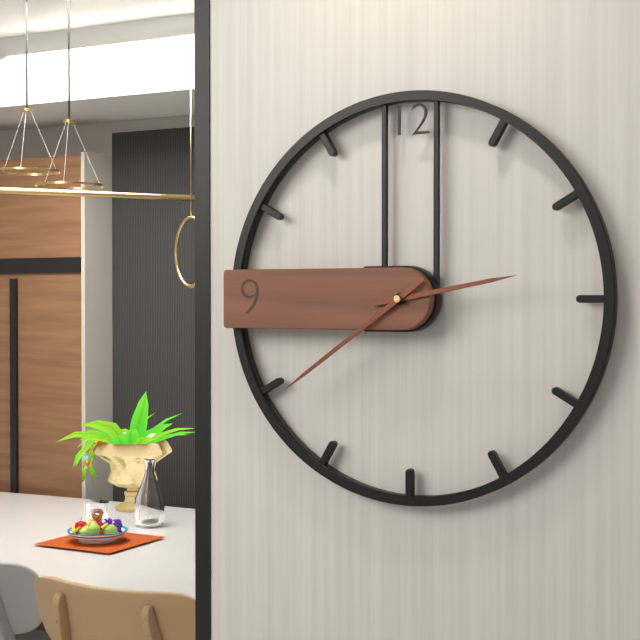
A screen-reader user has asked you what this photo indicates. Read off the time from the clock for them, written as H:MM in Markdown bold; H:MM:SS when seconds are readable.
**2:39**
